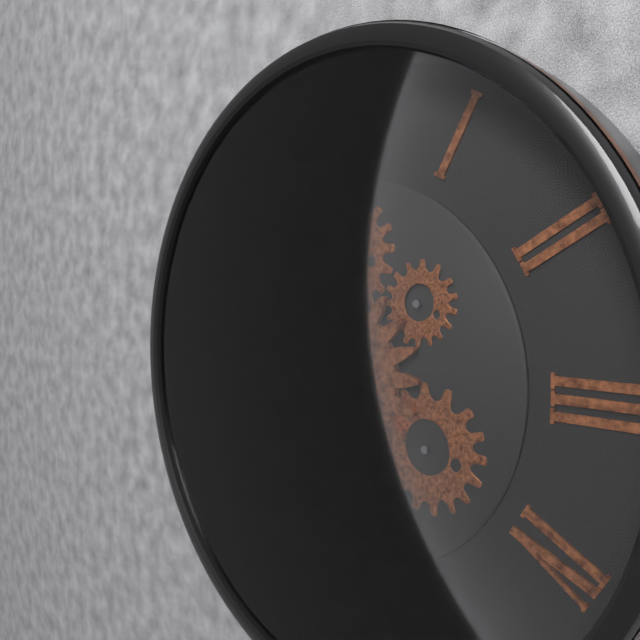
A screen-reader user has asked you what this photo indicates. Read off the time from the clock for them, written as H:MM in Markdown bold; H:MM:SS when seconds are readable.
**12:00**
